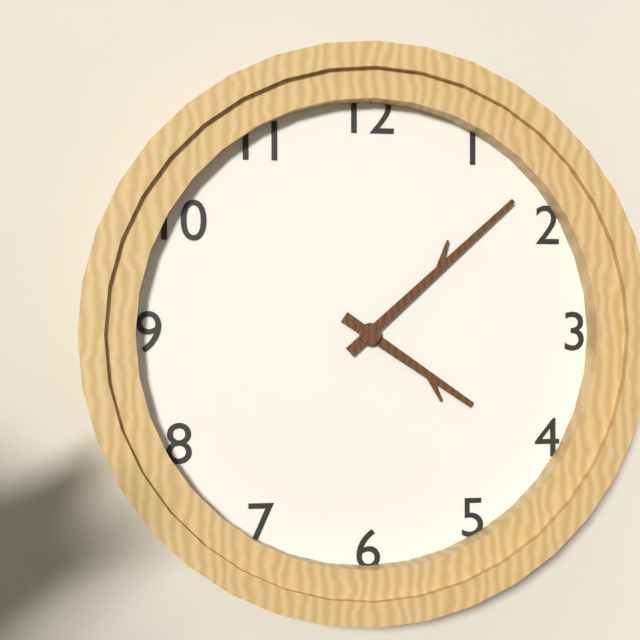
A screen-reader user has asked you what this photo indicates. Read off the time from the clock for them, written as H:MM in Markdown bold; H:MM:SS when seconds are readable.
**4:08**
